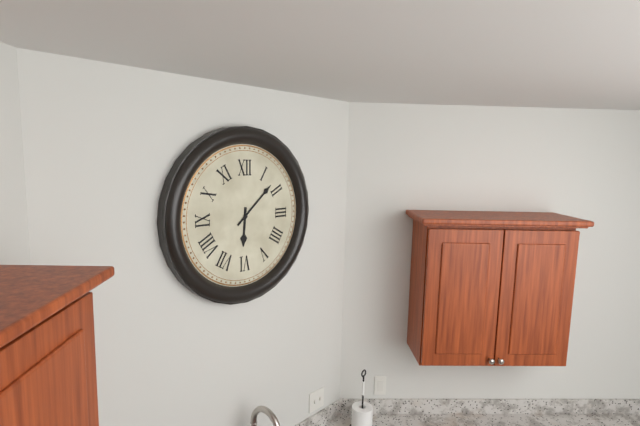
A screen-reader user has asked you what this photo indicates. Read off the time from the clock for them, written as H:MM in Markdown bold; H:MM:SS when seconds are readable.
**6:08**
